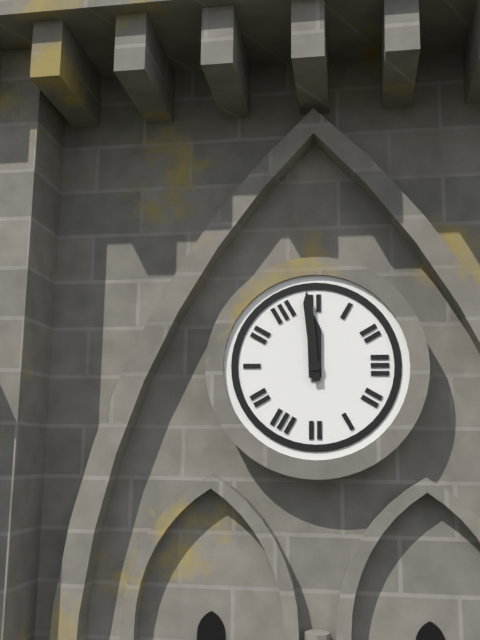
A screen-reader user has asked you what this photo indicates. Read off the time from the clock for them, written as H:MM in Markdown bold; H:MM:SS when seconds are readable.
**11:59**
